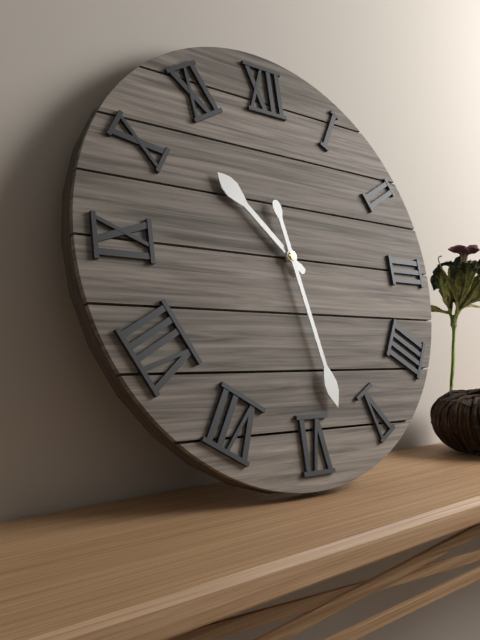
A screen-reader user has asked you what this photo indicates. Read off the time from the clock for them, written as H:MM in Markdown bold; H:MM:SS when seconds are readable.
**10:28**
